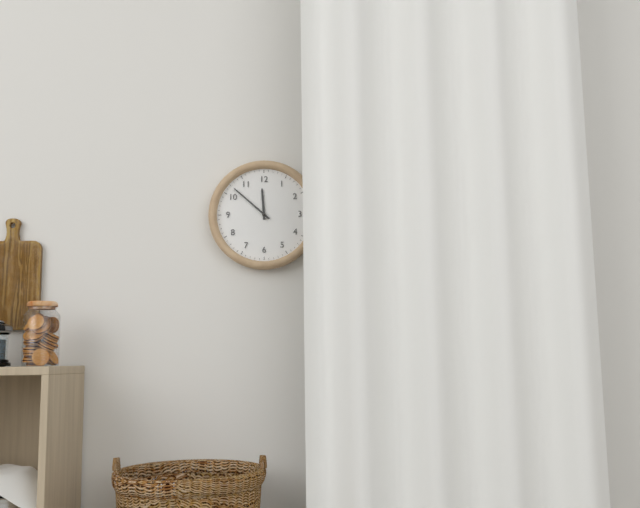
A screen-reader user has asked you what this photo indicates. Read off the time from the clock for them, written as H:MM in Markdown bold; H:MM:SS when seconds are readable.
**11:52**
